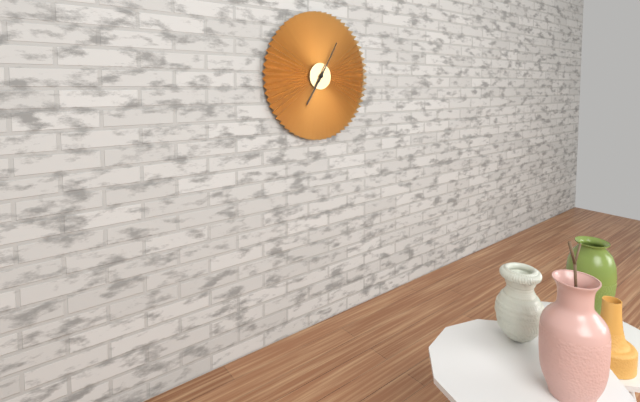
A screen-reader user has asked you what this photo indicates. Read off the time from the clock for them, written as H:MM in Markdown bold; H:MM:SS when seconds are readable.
**7:05**
